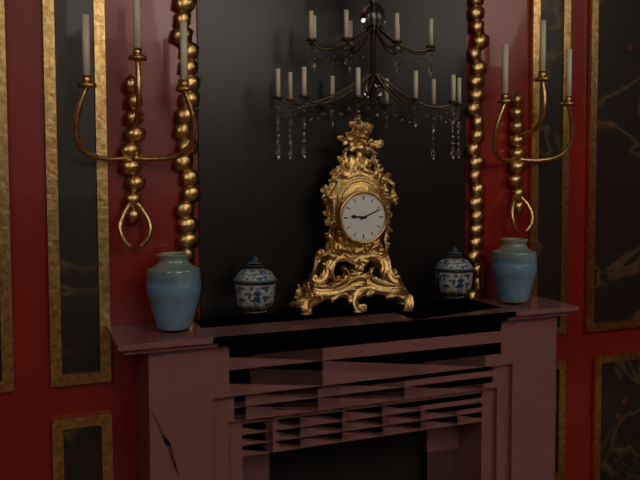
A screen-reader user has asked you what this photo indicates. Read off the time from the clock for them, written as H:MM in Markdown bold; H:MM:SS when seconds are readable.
**9:11**
